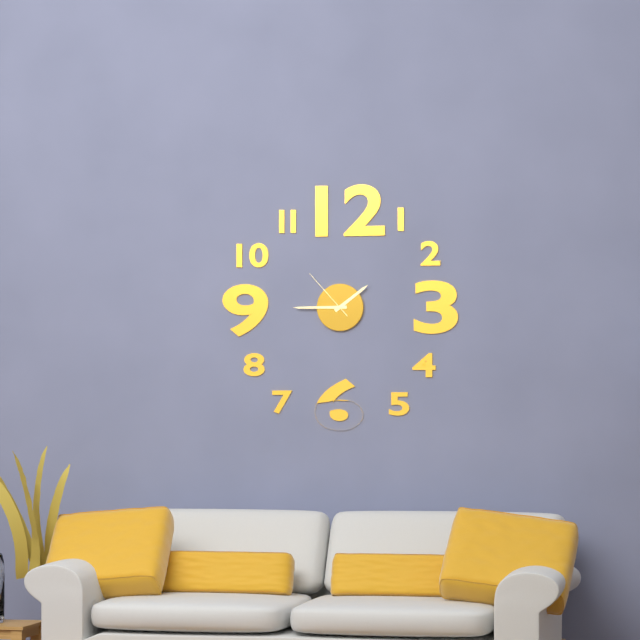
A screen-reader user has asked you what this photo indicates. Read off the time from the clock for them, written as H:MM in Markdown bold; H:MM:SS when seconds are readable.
**1:45:53**
